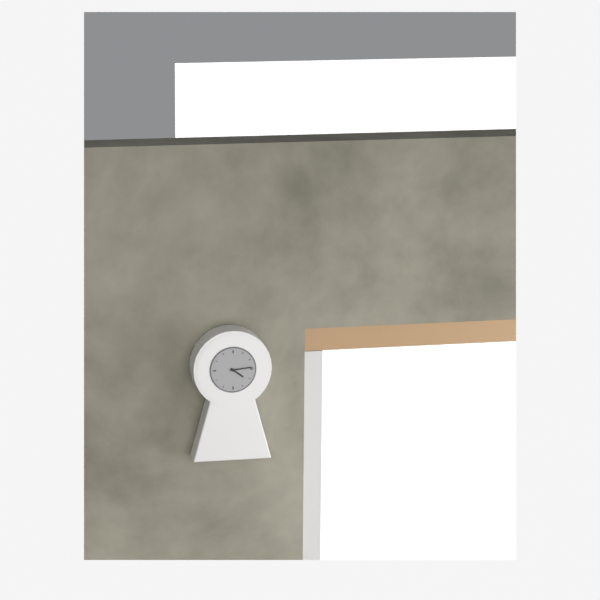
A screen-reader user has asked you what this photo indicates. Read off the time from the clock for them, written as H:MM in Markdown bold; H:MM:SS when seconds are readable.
**4:14**
